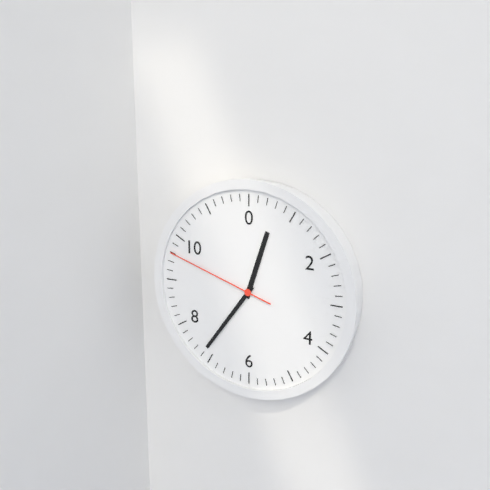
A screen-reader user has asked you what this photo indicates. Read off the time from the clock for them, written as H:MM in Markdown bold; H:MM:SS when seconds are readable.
**12:36:48**
